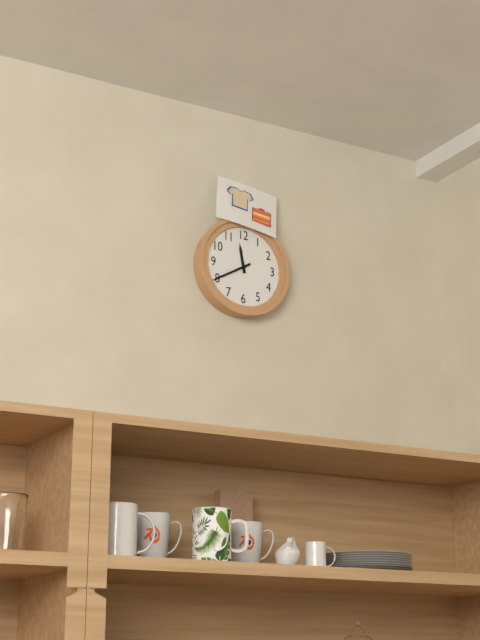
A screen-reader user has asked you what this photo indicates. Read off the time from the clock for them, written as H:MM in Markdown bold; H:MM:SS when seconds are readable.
**11:40**
